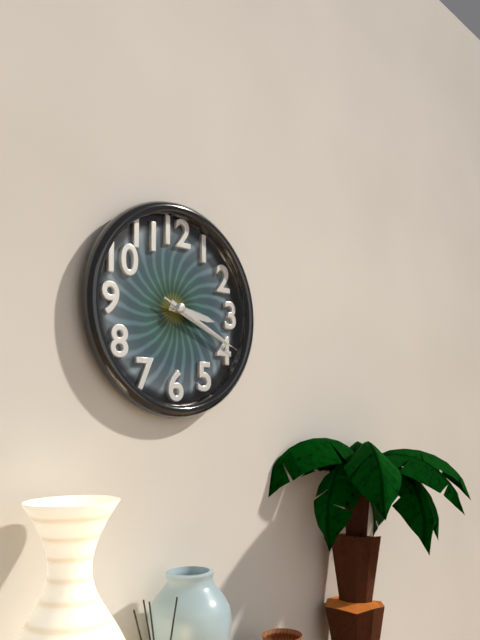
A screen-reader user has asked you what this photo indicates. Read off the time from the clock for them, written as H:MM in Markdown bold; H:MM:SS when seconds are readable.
**3:19:19**
